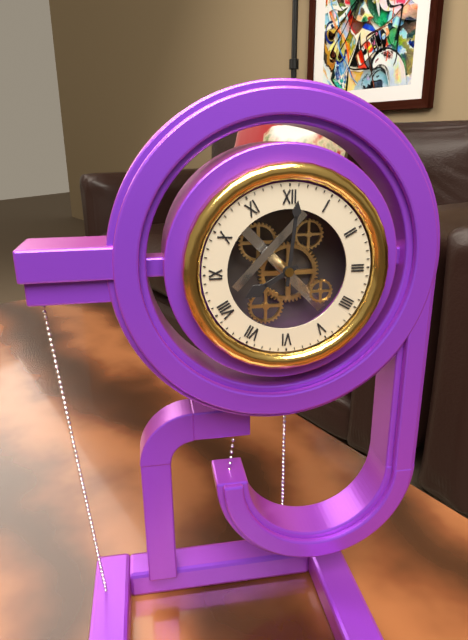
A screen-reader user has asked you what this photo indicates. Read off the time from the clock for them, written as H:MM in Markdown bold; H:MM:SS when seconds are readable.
**8:01**
